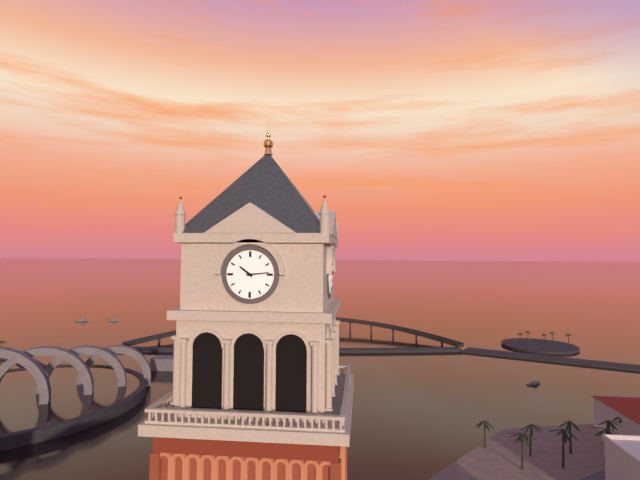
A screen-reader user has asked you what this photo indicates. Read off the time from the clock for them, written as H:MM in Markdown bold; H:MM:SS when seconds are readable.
**10:14**
